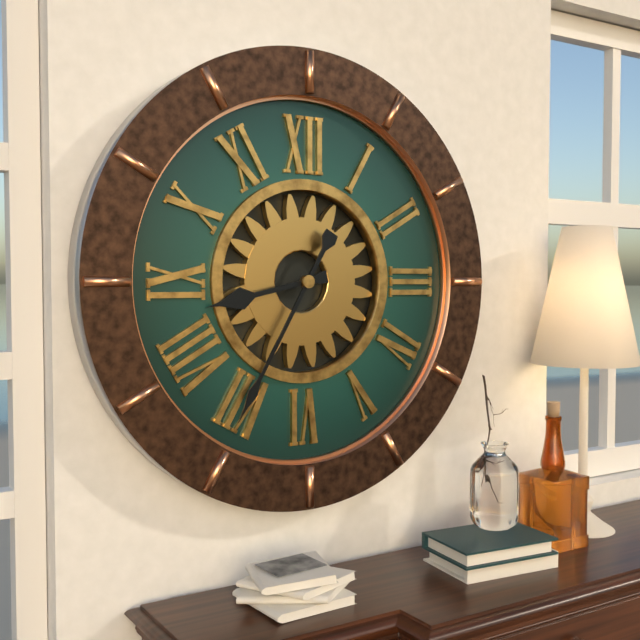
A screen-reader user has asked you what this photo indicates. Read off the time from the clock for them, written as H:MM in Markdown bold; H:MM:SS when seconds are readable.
**8:35**
